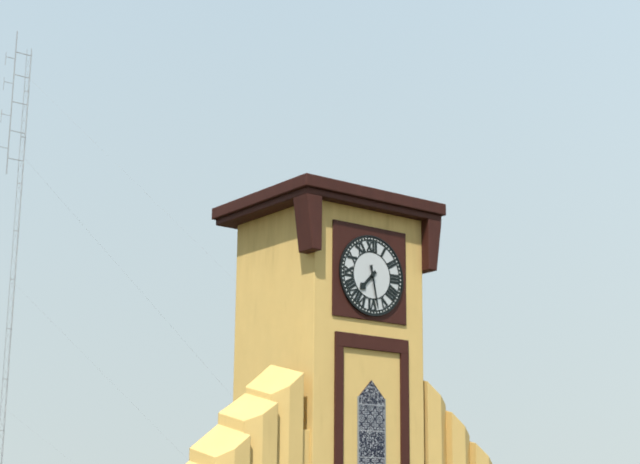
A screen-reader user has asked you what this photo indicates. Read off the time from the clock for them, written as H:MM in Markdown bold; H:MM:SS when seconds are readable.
**7:28**
